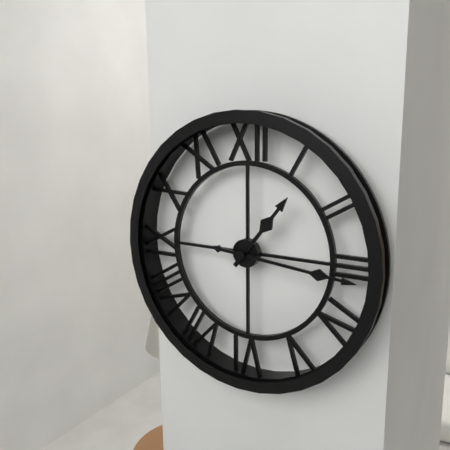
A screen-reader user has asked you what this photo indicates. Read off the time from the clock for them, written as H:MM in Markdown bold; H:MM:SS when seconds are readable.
**1:16**
